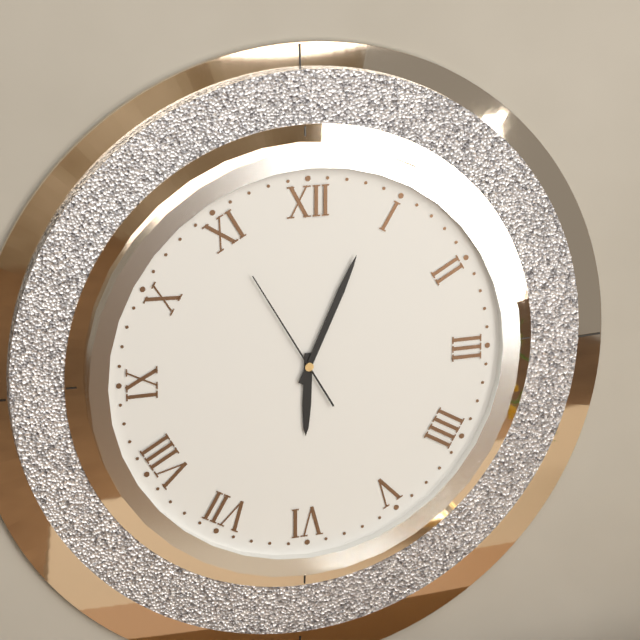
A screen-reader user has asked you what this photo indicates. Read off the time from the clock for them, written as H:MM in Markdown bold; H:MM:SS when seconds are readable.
**6:04:55**
